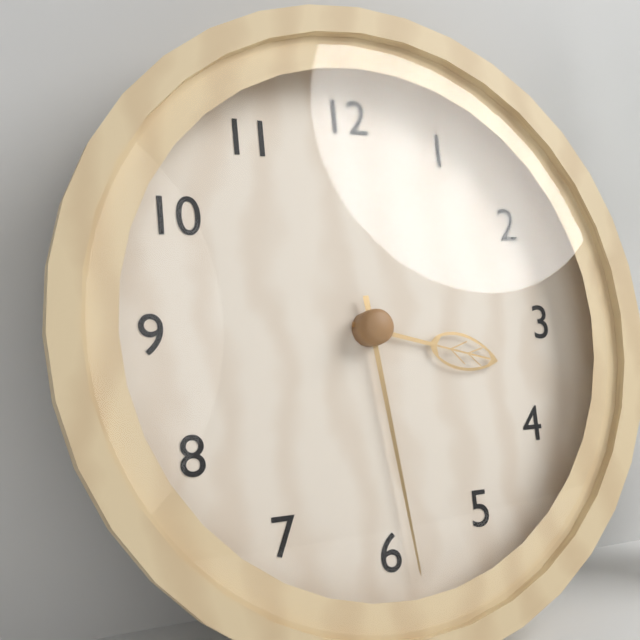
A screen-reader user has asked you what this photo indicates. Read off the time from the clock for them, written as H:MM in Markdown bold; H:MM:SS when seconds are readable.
**3:29**
